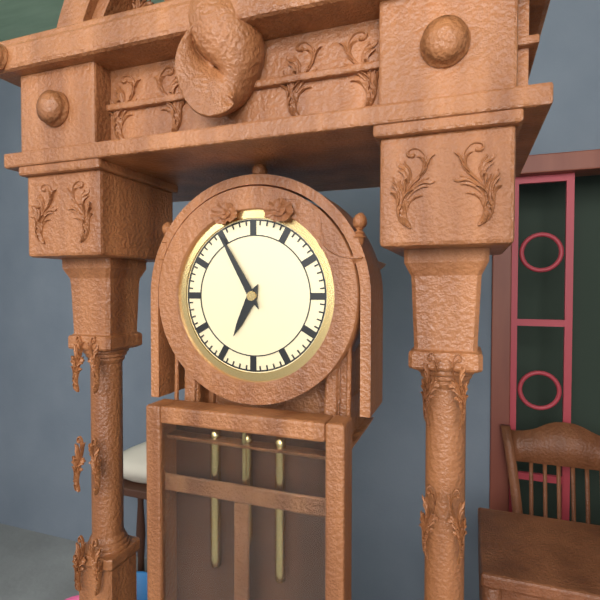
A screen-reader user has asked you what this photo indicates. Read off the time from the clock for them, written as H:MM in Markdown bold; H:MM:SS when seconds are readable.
**6:55**
